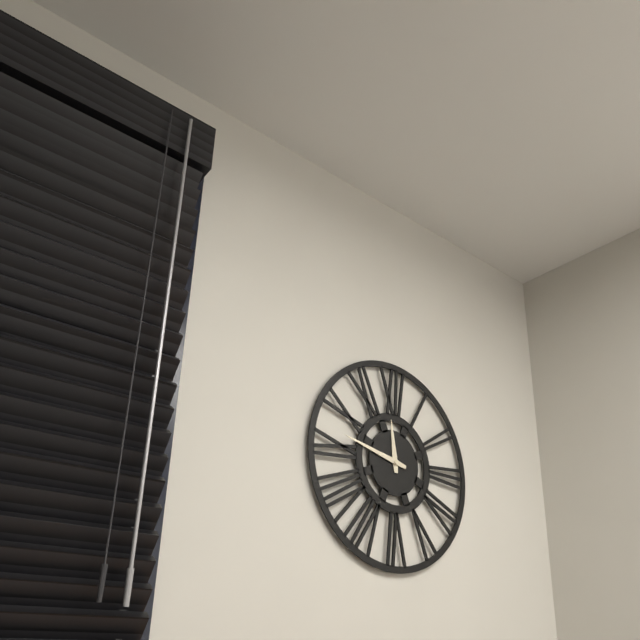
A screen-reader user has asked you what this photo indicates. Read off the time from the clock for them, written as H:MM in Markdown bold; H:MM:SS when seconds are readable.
**11:47**
